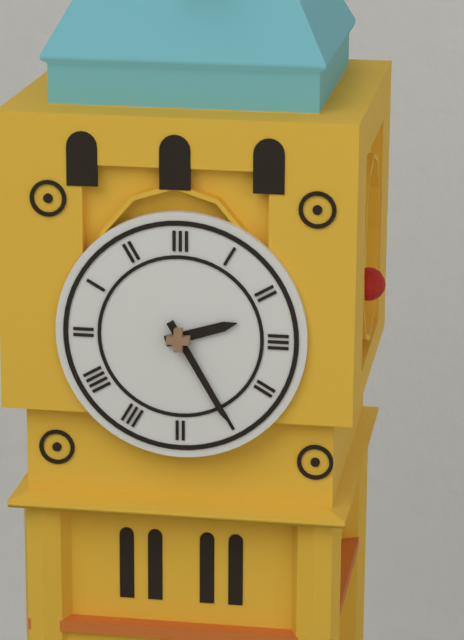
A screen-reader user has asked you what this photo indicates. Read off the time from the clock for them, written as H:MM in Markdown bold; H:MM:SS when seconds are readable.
**2:25**
